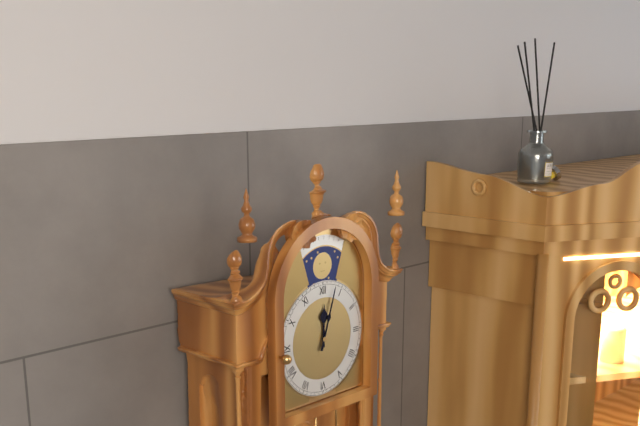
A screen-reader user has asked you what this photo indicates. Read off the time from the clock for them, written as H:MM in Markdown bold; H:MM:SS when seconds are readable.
**12:03**
